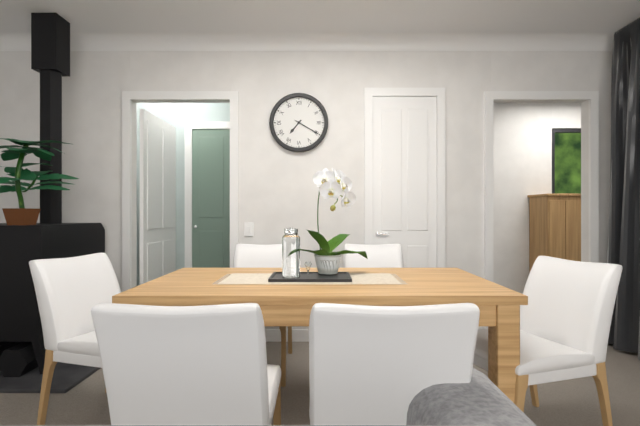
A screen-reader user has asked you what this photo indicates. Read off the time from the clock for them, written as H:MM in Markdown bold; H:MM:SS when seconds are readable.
**7:20**
